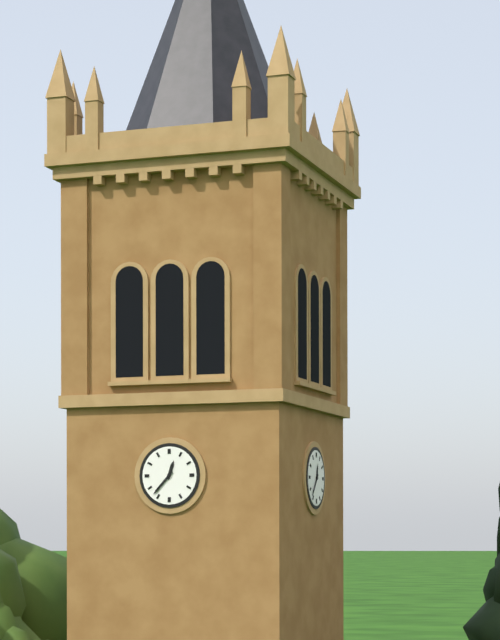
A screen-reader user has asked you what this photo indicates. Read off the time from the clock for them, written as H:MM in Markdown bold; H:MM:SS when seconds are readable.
**12:37**
